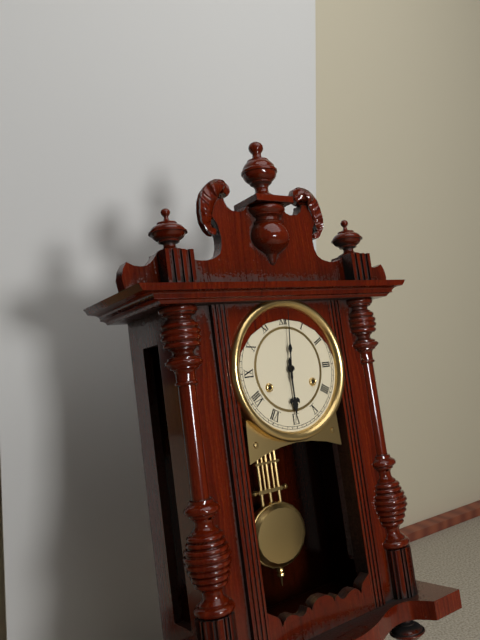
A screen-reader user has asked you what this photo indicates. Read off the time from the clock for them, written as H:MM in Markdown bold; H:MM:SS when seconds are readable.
**6:01**
